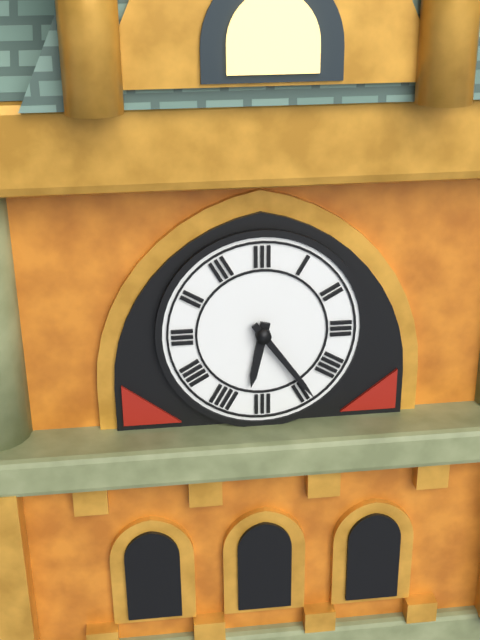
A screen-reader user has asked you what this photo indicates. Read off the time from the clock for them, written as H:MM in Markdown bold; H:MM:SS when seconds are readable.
**6:24**
